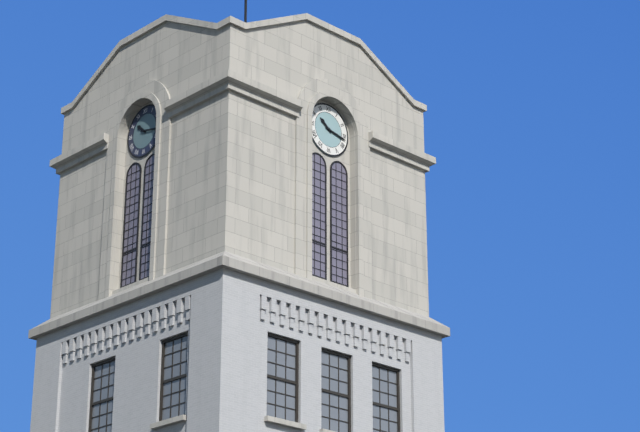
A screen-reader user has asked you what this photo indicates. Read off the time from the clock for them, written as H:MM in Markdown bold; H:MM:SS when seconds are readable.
**10:17**
